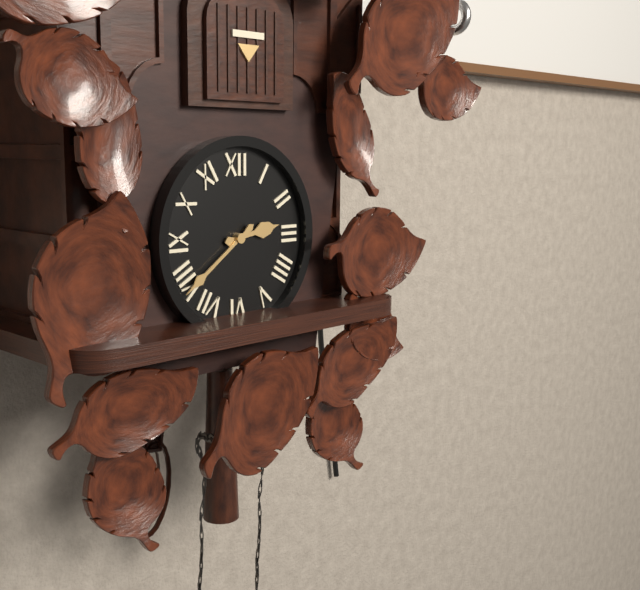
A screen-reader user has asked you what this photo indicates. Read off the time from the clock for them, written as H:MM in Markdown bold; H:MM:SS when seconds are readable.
**2:39**
